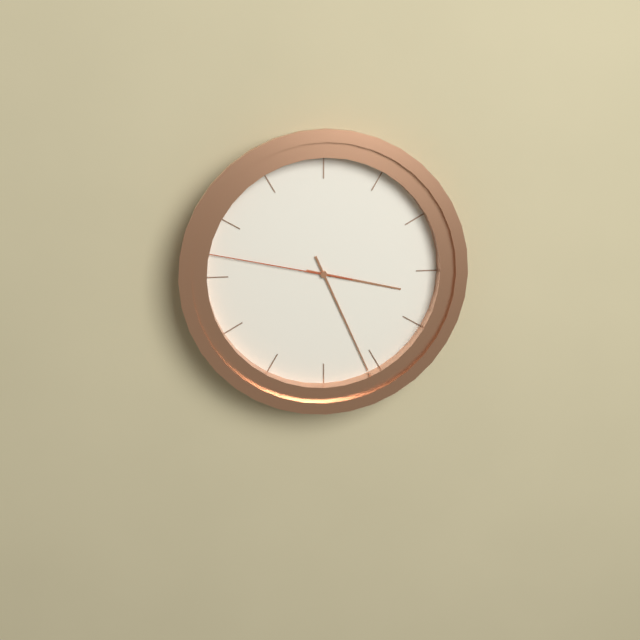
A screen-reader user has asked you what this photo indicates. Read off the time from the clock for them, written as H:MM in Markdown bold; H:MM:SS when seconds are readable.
**3:26:47**
